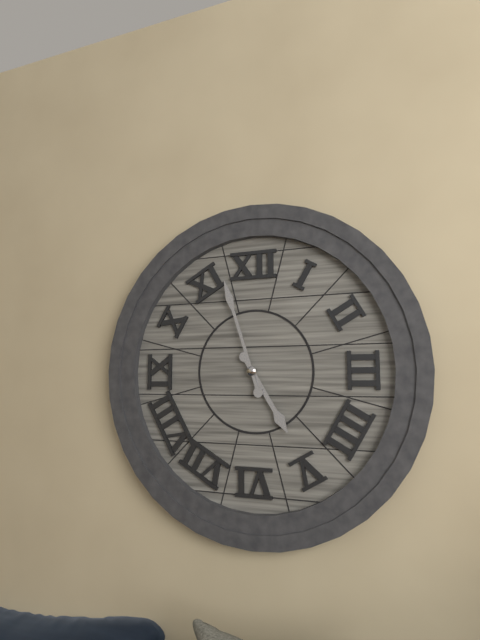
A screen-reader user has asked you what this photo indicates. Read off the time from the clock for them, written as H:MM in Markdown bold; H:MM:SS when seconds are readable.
**4:57**
